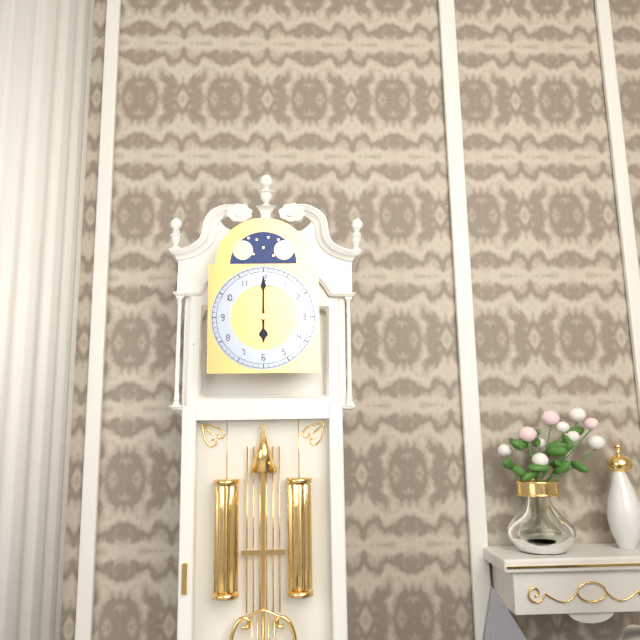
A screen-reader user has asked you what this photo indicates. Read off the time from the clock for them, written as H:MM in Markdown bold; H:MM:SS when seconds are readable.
**6:00**
